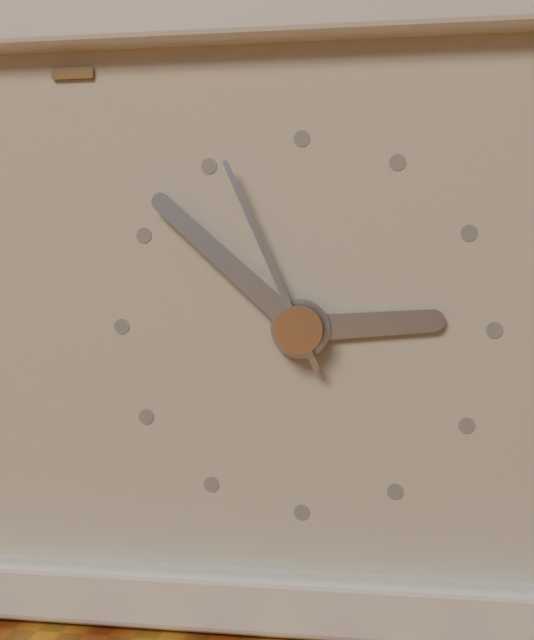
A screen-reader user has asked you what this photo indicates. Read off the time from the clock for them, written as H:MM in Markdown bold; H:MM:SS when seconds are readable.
**2:52:56**
